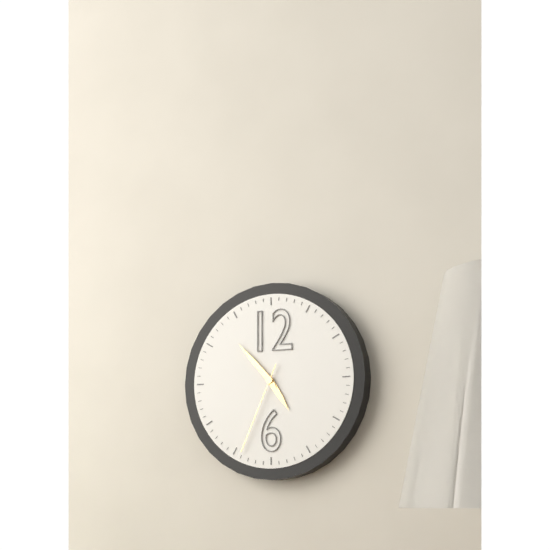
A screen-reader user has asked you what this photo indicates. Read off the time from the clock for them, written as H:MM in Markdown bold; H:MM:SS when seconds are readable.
**4:53:34**
